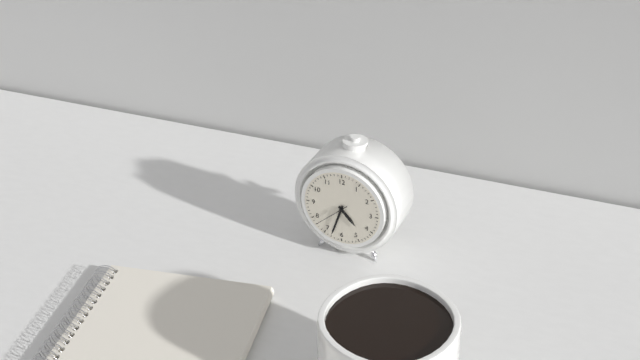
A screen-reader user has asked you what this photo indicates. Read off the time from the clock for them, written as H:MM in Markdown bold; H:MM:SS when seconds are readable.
**4:33**
